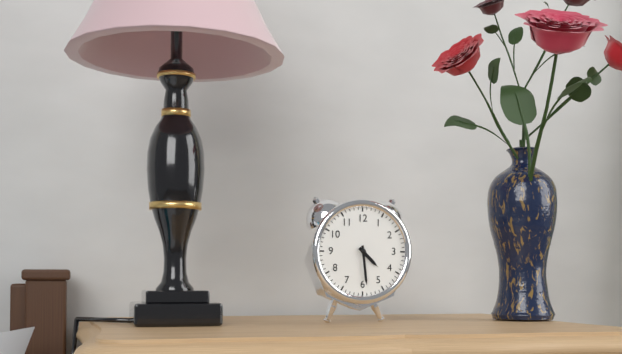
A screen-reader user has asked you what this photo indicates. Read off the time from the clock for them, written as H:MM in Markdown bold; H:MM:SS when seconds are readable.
**4:29**
